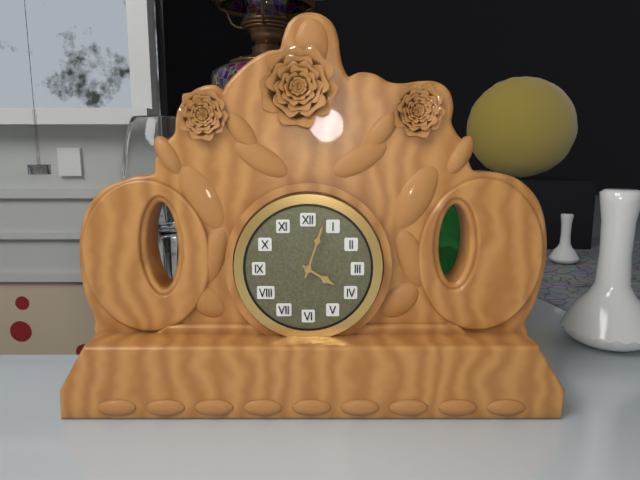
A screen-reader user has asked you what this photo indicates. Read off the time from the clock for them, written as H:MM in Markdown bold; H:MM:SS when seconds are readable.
**4:03**
